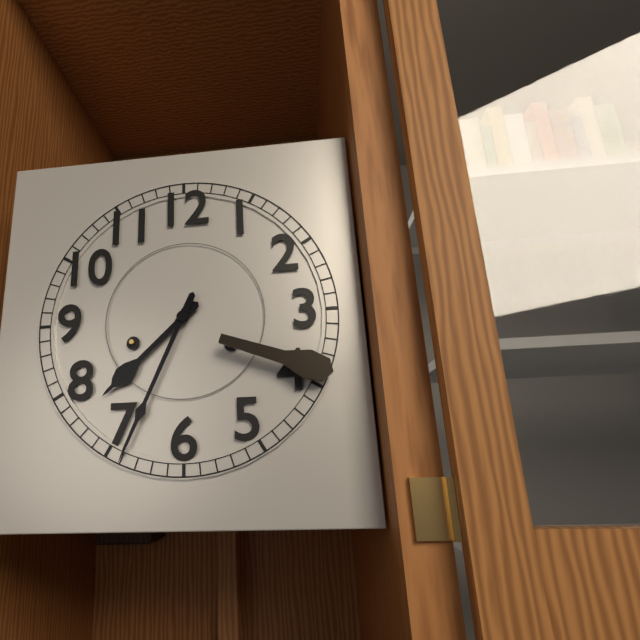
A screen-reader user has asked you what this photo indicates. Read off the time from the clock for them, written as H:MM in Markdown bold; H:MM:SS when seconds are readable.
**7:34**
